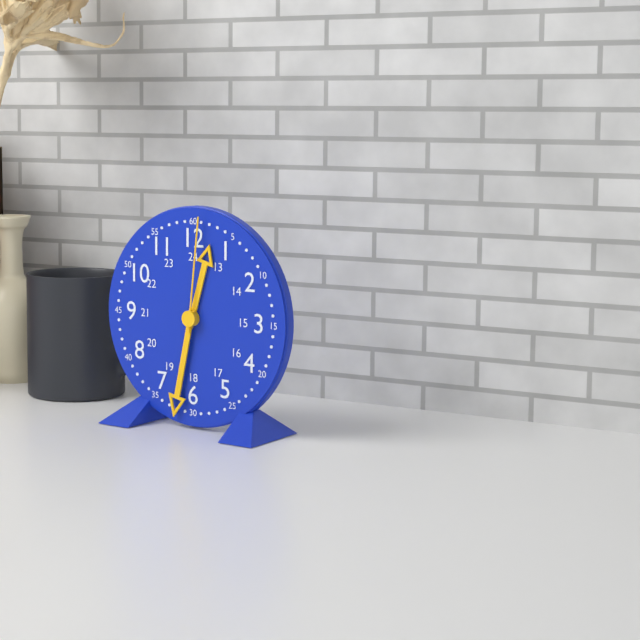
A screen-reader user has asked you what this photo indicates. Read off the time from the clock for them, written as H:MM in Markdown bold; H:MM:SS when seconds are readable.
**12:32:01**
